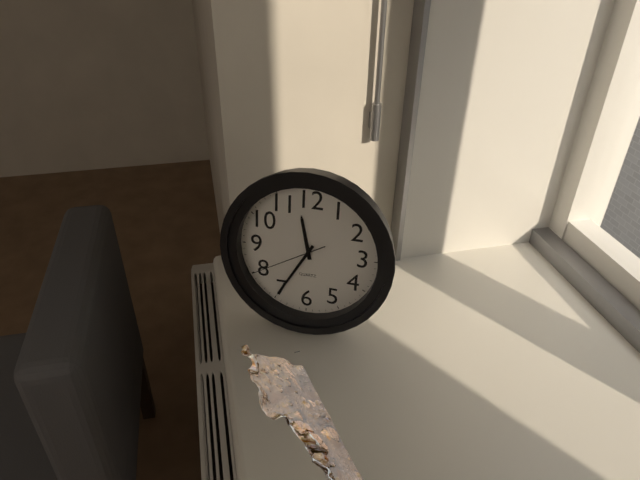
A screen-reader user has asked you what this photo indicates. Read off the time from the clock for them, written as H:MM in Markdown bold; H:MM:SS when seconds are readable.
**11:35:40**
